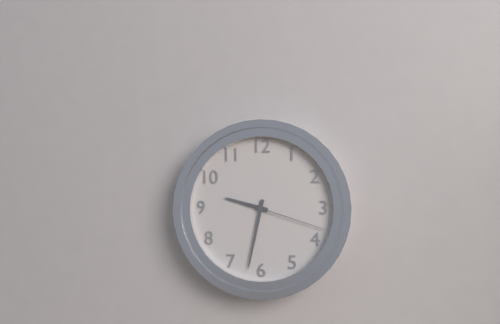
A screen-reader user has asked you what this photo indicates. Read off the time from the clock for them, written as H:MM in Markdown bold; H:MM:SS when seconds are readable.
**9:32:18**
